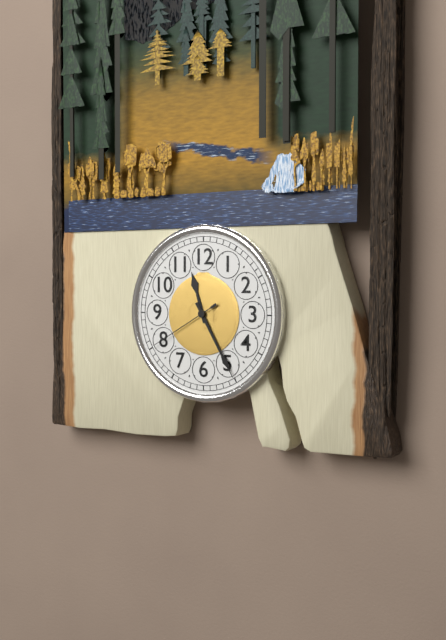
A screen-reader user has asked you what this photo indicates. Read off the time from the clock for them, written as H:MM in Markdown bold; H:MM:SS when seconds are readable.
**11:25:40**
